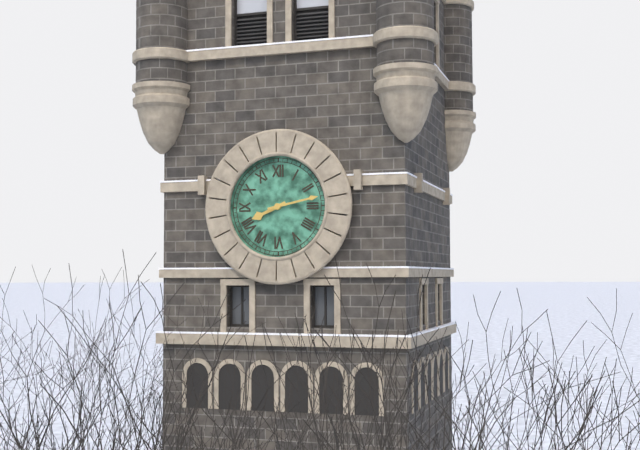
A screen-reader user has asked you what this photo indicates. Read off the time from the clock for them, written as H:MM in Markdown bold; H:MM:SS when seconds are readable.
**8:13**
